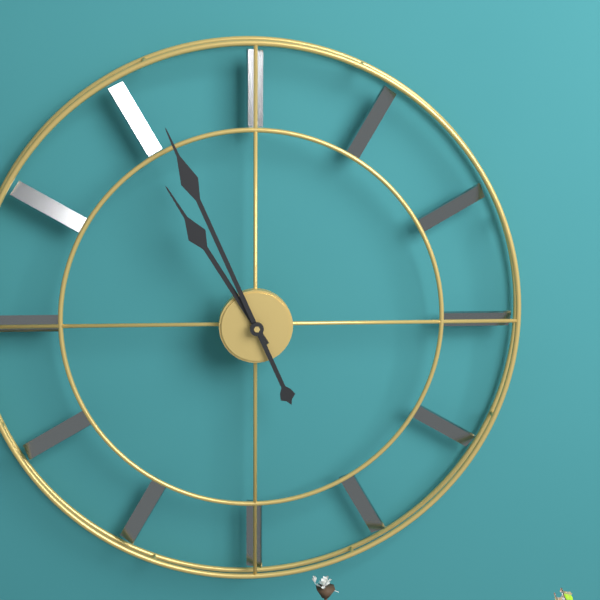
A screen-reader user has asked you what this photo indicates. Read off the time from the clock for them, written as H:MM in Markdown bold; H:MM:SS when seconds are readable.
**10:56**
